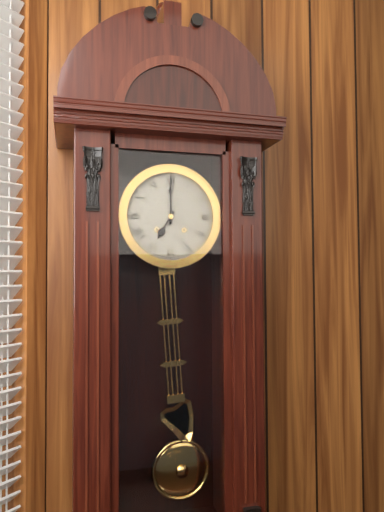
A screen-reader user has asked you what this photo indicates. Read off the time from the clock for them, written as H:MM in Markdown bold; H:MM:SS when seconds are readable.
**7:00**
